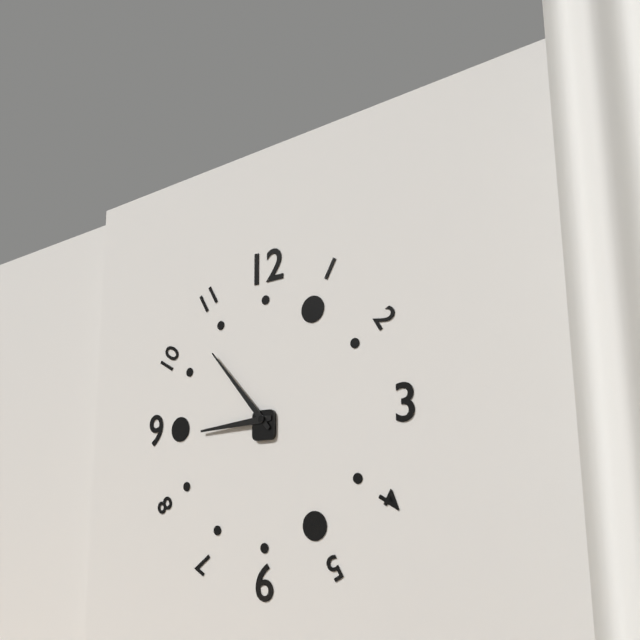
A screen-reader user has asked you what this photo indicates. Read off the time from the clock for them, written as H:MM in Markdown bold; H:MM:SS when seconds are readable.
**8:53**
